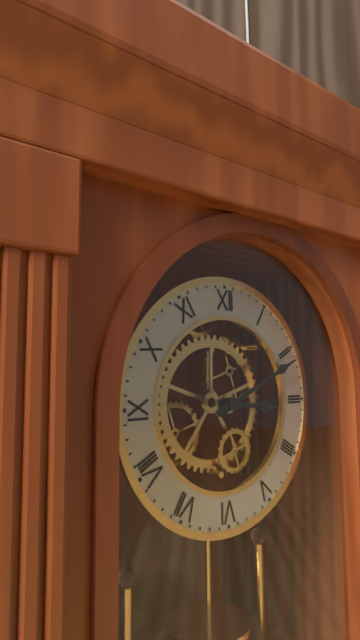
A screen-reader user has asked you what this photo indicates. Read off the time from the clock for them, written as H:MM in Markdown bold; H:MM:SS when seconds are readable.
**3:11**
